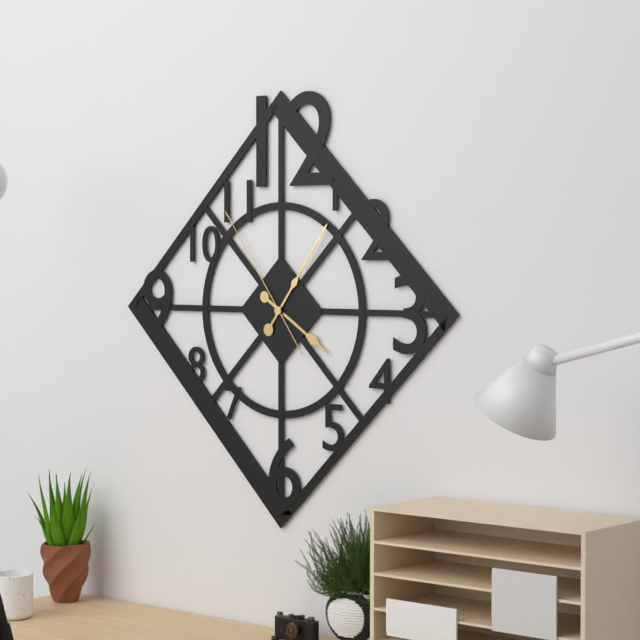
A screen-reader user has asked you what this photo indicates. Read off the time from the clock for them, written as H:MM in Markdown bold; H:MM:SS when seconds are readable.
**4:06:54**
